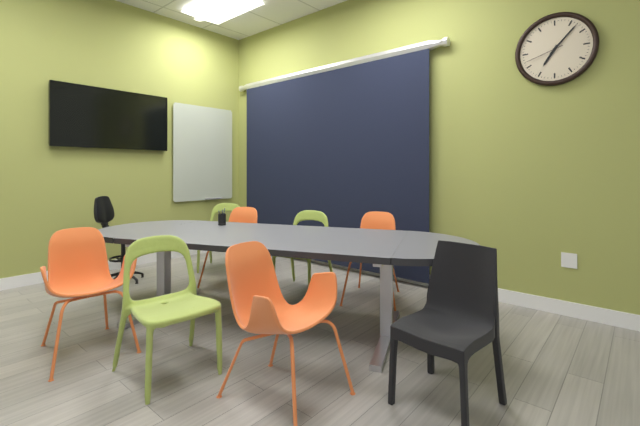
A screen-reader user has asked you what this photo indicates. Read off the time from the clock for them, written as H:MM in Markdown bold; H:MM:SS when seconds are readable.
**7:07**
